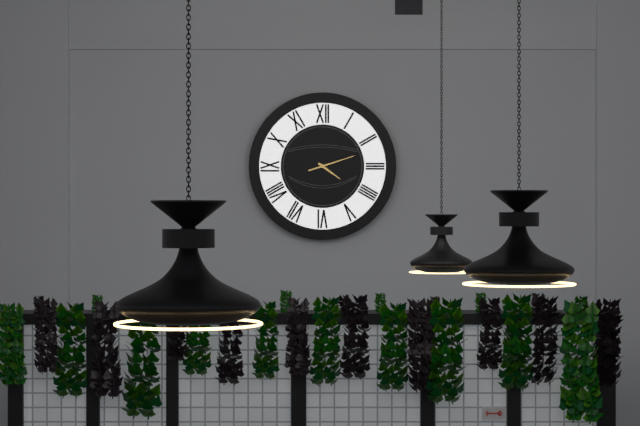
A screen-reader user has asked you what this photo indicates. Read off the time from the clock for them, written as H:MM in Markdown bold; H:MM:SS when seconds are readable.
**4:12**
